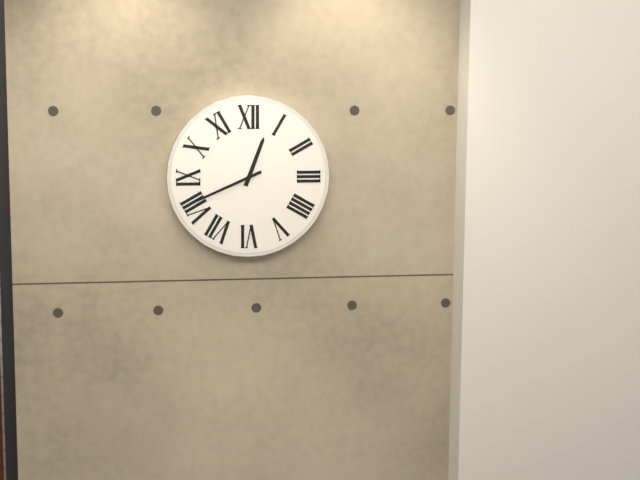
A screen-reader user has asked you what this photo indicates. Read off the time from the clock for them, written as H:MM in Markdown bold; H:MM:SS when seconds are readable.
**12:41**
